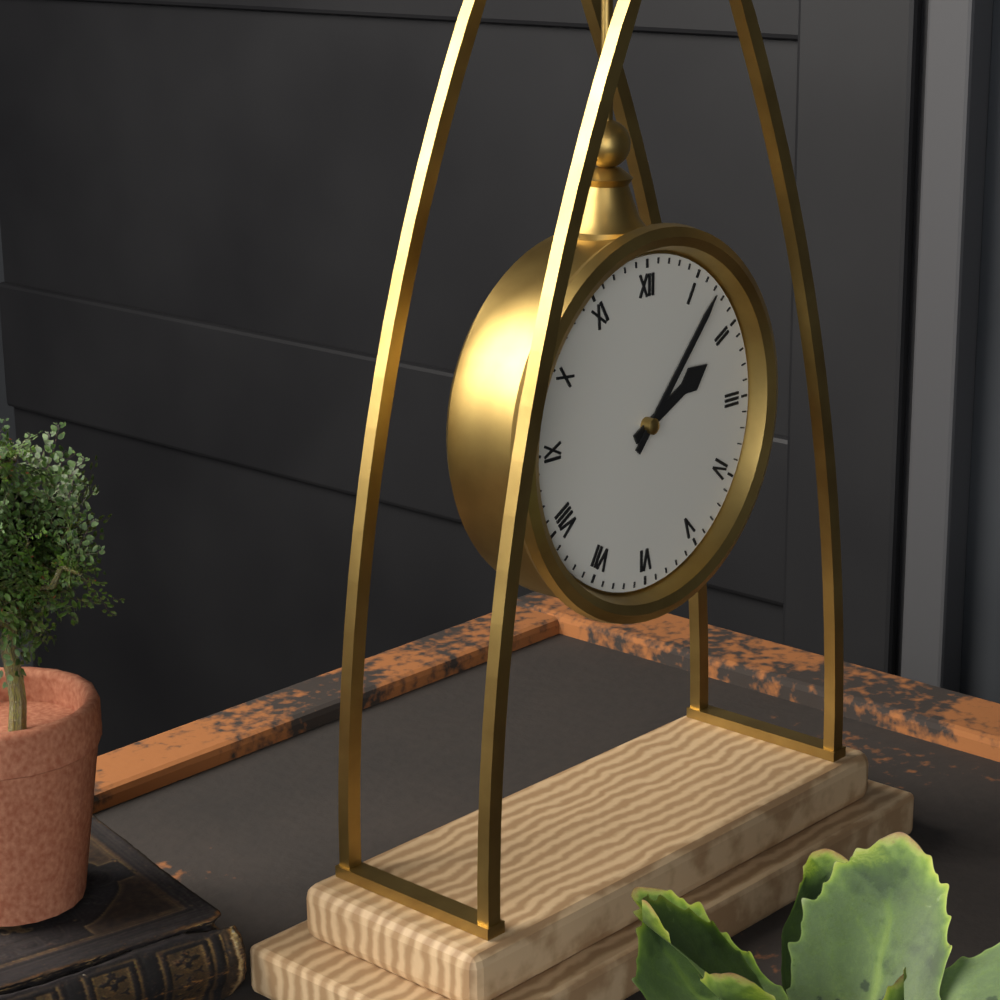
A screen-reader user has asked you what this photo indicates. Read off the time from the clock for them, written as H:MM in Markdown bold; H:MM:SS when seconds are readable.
**2:07**
